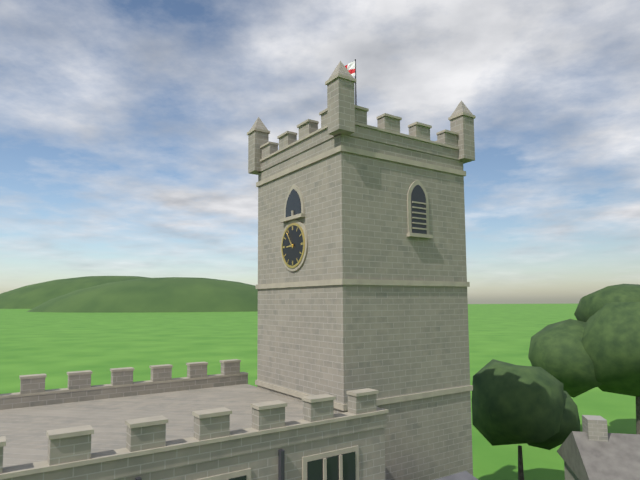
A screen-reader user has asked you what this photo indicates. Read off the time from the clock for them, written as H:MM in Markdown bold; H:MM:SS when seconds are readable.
**8:54**
